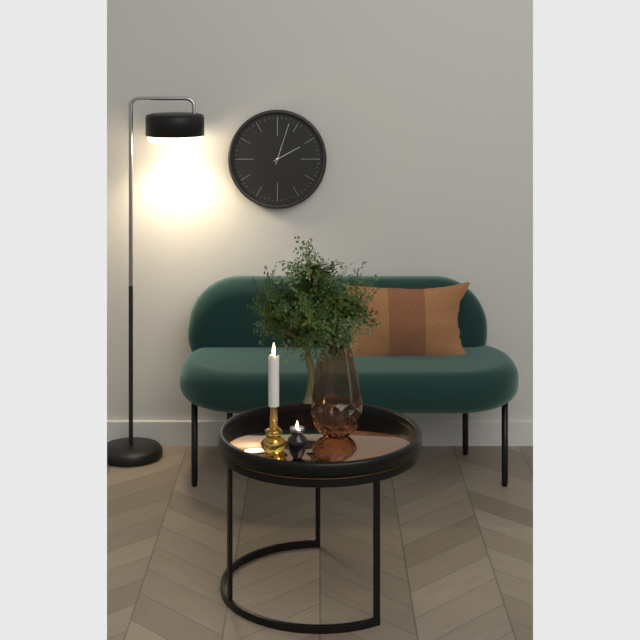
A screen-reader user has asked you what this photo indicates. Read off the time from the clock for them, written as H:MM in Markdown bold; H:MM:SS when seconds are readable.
**2:03**
